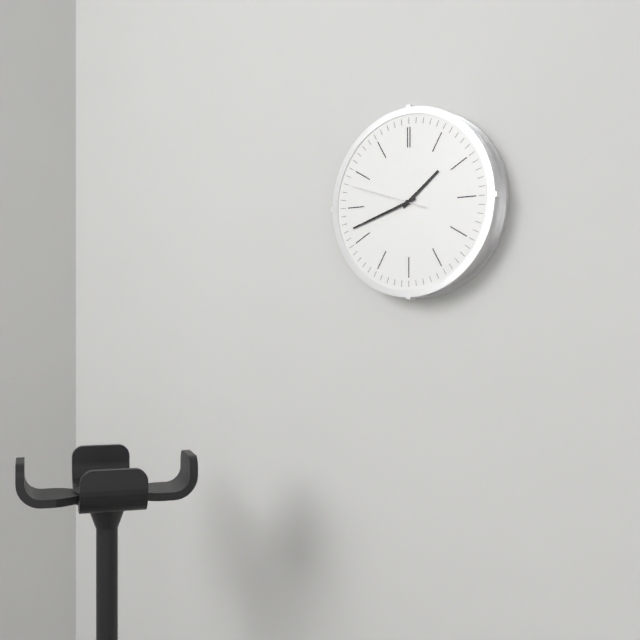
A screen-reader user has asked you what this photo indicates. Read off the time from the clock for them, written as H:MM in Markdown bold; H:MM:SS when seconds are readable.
**1:42:48**
